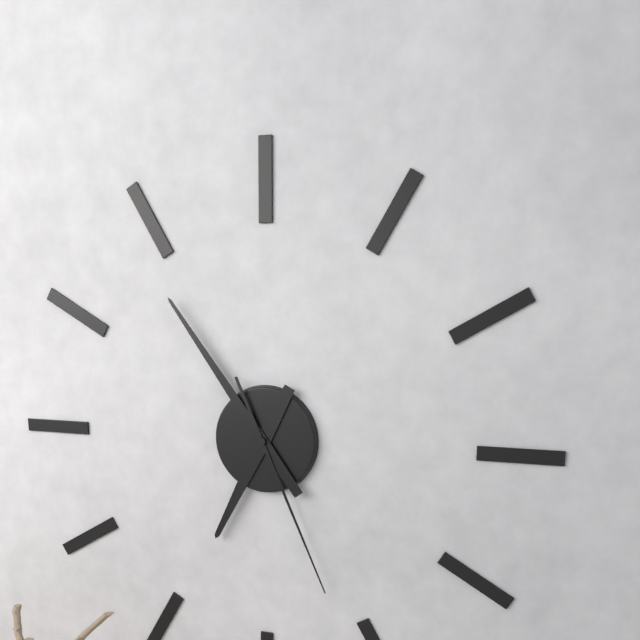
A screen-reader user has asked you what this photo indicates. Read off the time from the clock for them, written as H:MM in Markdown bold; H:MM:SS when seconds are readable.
**6:54:26**
